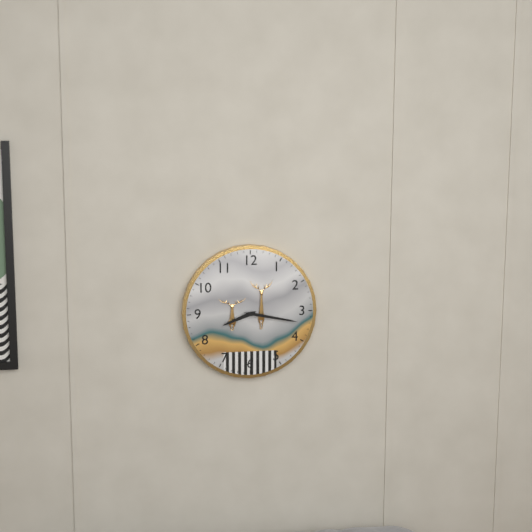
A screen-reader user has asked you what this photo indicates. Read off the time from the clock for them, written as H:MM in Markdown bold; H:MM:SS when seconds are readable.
**8:17**
